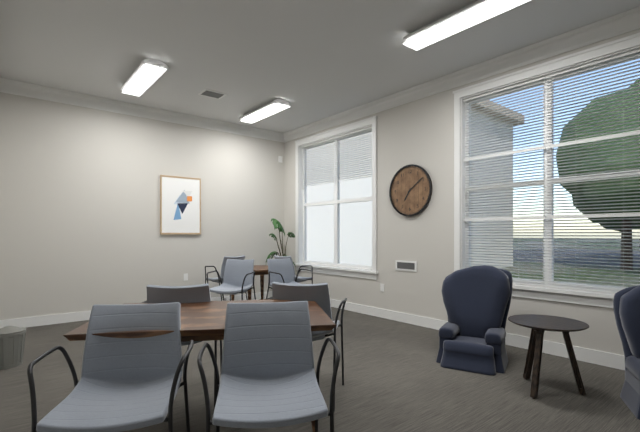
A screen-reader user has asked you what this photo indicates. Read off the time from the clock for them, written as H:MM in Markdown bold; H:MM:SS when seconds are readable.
**7:09**
